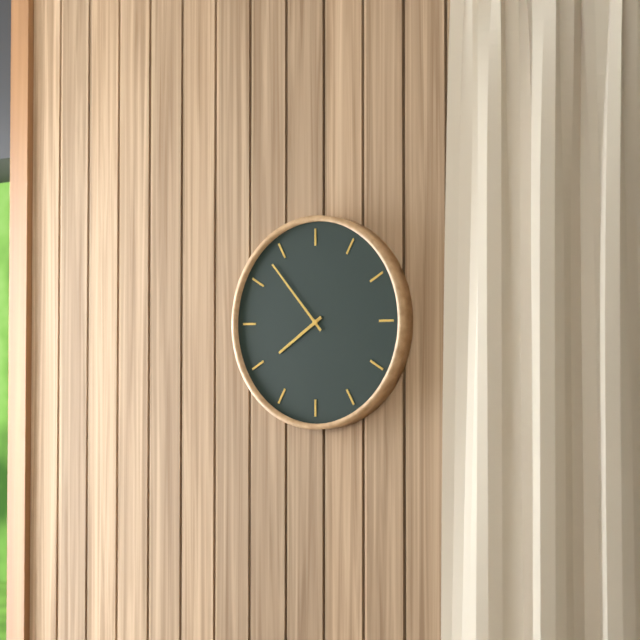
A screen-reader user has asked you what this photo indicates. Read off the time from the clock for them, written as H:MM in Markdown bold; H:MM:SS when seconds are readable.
**7:53**
